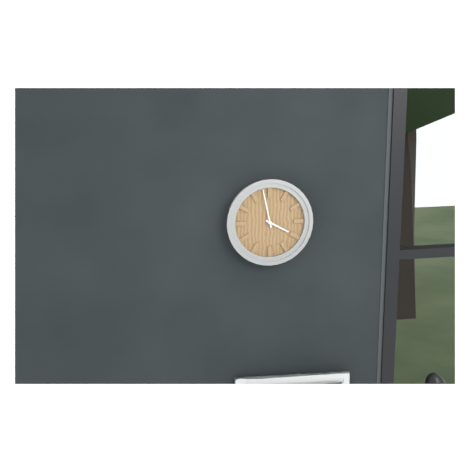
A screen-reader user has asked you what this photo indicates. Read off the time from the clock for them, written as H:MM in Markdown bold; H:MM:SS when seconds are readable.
**3:58**
